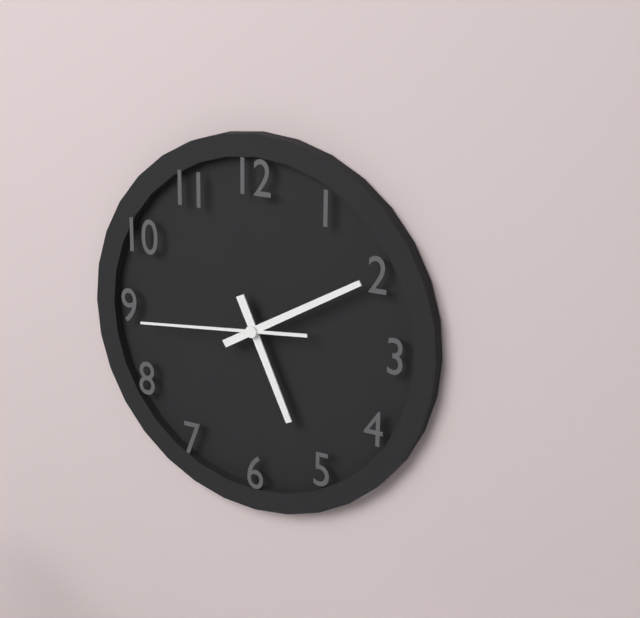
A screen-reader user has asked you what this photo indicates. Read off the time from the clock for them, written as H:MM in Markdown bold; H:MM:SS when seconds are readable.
**5:10:44**
